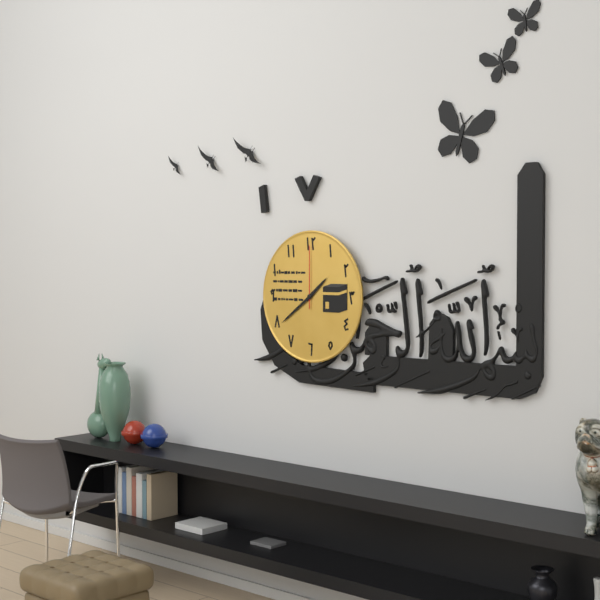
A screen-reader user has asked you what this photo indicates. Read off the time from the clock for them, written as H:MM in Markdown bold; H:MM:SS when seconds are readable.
**1:39:00**
